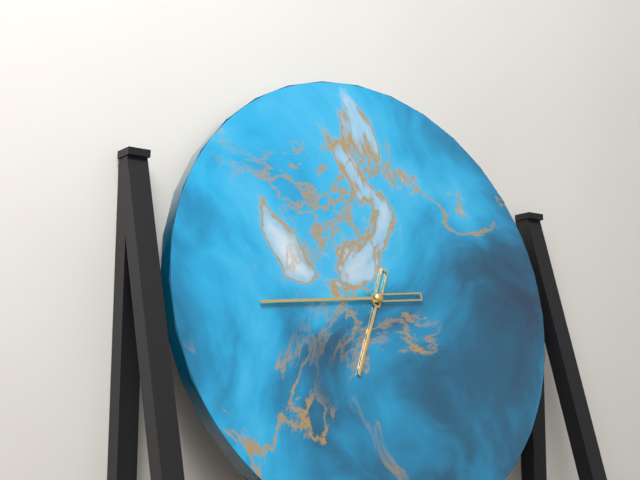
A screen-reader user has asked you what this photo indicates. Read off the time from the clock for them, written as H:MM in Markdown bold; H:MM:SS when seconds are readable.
**6:44**
